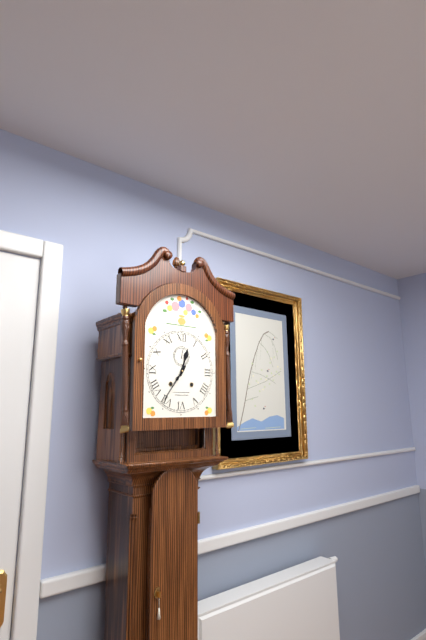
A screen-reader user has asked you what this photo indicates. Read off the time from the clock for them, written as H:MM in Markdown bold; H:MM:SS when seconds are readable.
**12:36**
